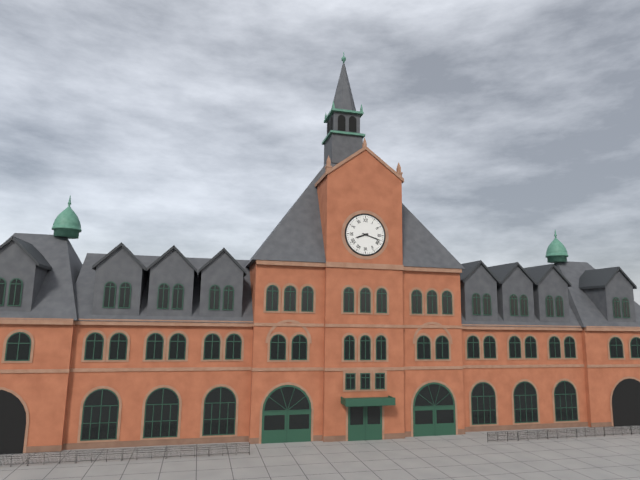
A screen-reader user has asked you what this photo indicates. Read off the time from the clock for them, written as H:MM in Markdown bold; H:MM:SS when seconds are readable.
**8:18**
